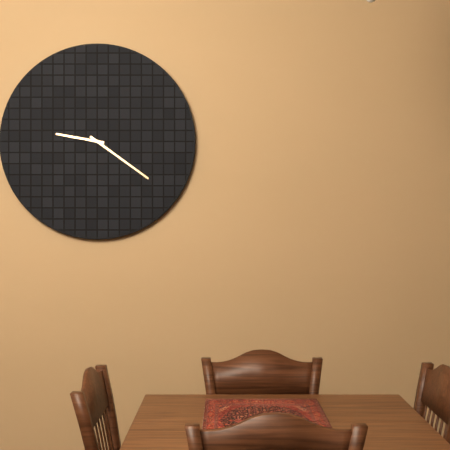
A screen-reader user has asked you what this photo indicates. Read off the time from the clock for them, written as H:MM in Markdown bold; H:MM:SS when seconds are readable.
**9:21**
